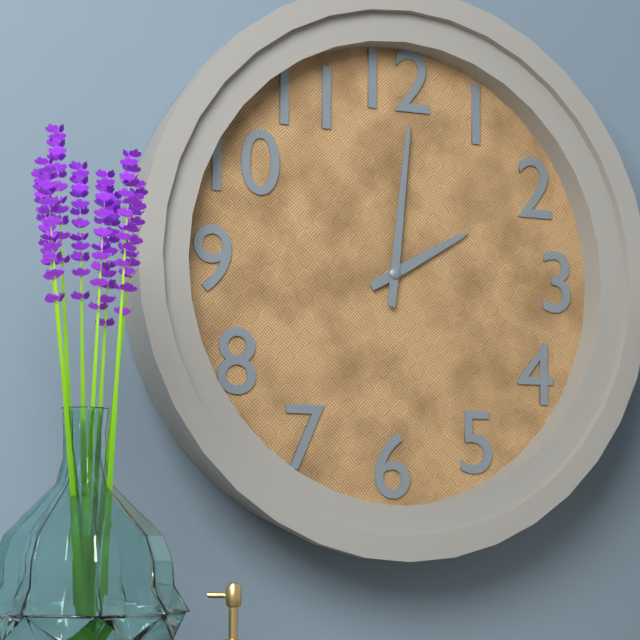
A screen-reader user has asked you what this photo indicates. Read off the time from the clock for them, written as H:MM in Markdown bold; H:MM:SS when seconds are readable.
**2:01**
